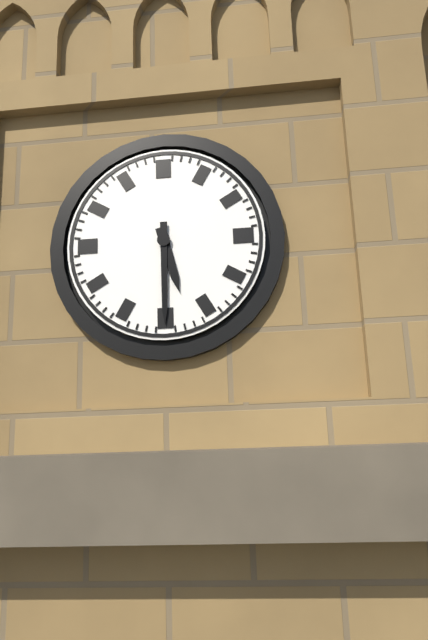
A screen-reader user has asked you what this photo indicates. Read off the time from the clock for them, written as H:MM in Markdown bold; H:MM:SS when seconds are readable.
**5:30**
